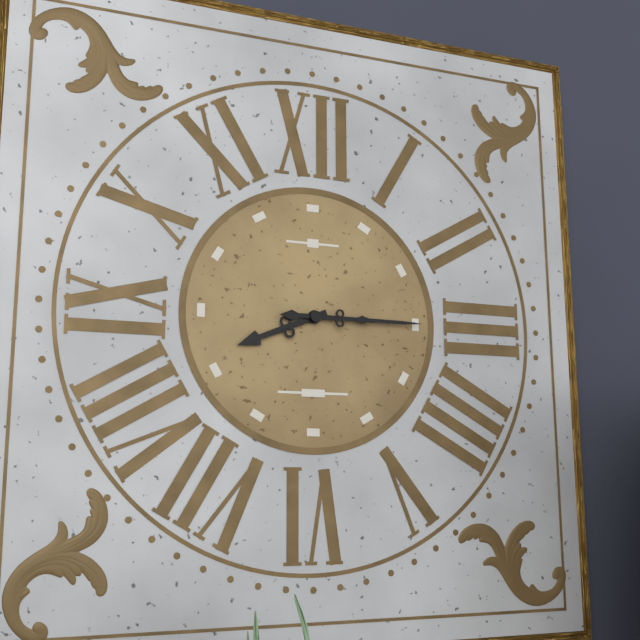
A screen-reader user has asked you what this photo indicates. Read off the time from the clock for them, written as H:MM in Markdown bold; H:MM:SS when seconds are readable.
**8:15**
